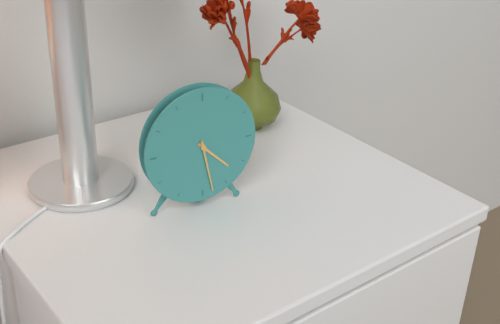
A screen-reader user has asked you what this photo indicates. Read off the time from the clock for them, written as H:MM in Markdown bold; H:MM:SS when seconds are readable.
**4:28**
